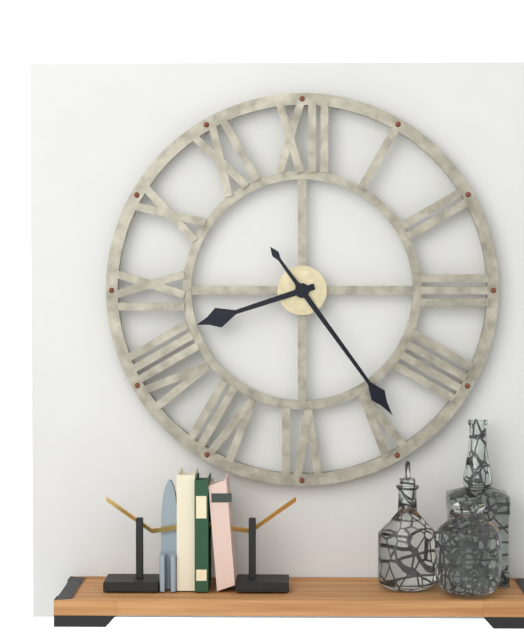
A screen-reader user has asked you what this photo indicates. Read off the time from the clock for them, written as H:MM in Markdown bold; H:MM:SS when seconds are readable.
**8:24**
